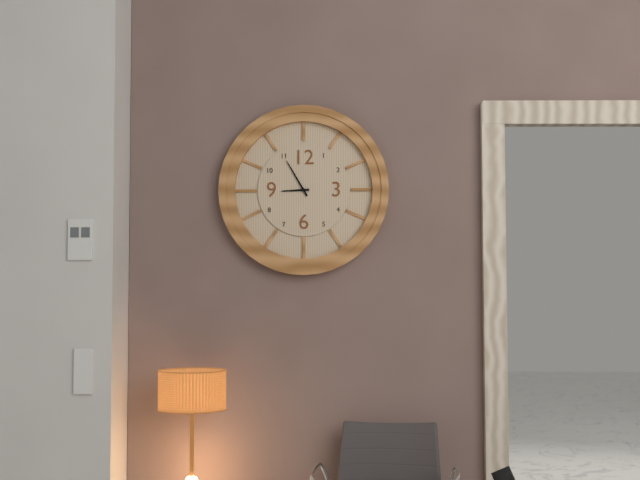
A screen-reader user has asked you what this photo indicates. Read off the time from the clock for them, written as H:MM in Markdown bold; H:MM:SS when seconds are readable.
**8:55**
